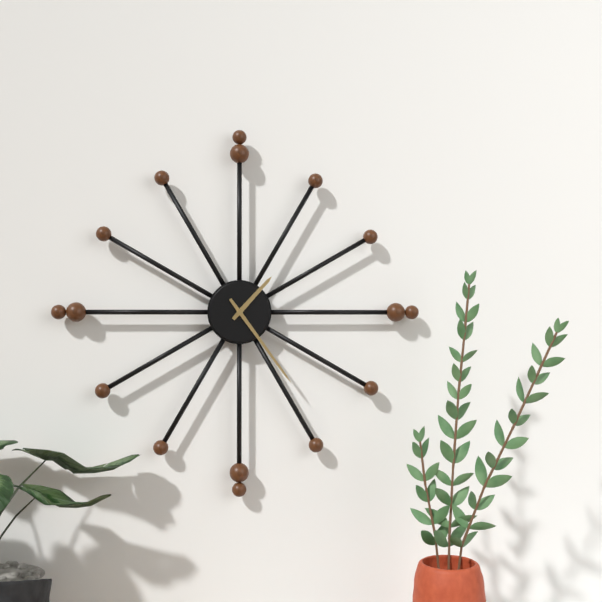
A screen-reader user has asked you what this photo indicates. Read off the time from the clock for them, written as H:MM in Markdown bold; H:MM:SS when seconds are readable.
**1:24**
